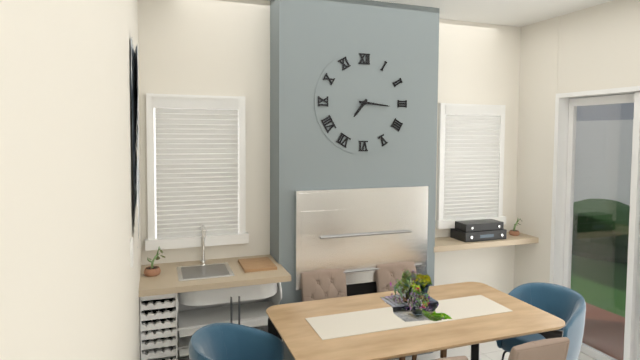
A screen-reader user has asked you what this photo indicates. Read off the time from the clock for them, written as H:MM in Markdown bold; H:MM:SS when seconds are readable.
**7:16**
